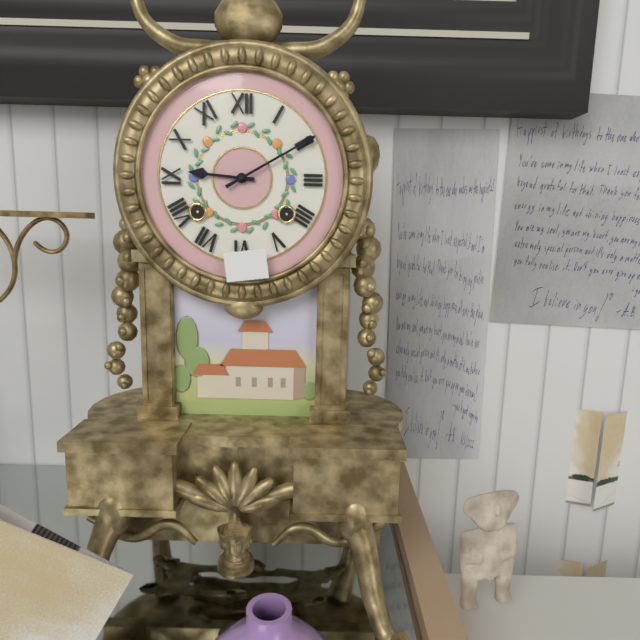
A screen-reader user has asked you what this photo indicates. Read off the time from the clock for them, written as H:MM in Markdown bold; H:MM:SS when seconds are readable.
**9:10**
